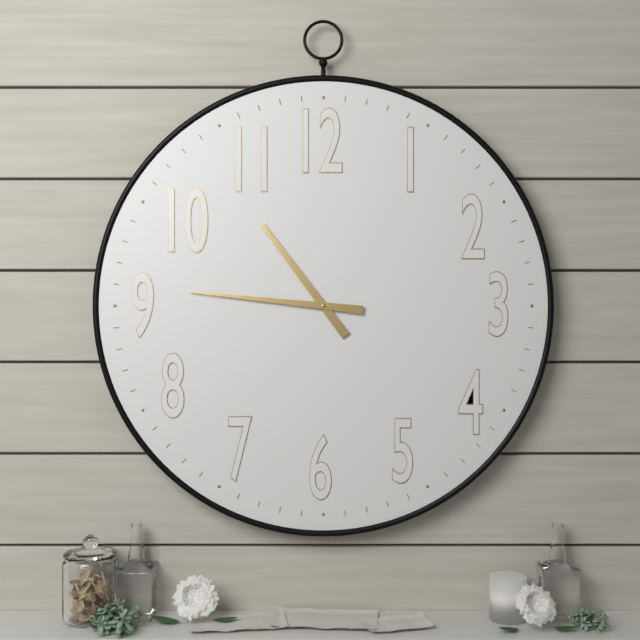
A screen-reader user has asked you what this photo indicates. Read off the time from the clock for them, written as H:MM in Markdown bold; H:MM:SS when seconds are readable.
**10:46**
